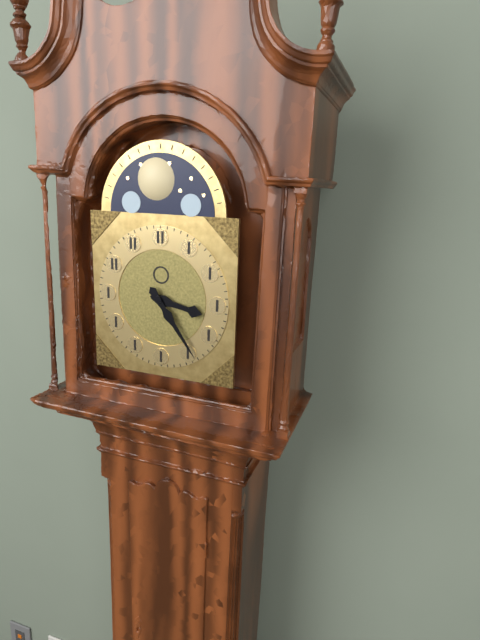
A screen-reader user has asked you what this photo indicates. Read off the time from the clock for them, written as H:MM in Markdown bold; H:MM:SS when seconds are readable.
**3:24**
